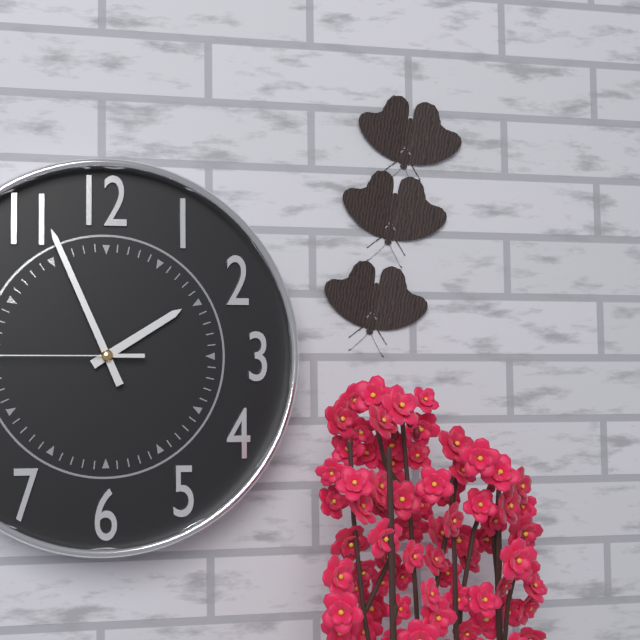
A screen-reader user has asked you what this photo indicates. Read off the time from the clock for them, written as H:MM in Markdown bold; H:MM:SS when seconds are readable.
**1:56**
